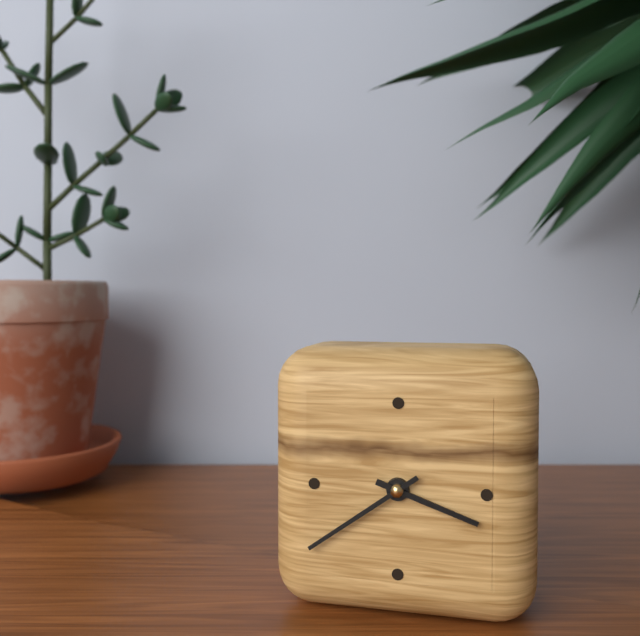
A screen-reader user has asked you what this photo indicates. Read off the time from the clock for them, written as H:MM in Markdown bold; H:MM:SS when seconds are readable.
**3:39**
